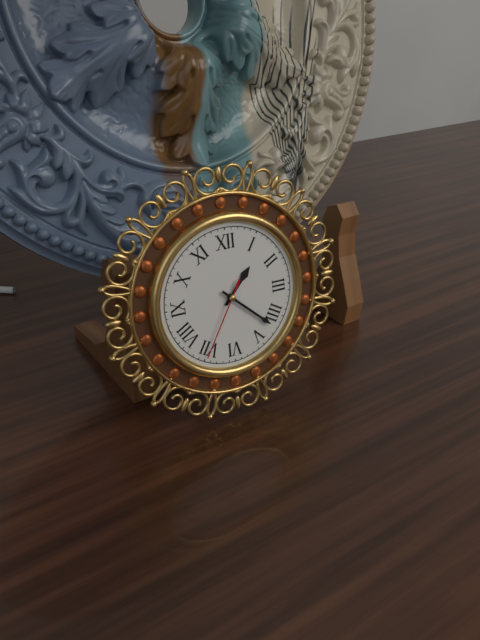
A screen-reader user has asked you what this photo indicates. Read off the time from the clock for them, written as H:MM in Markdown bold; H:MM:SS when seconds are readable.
**1:22:35**
